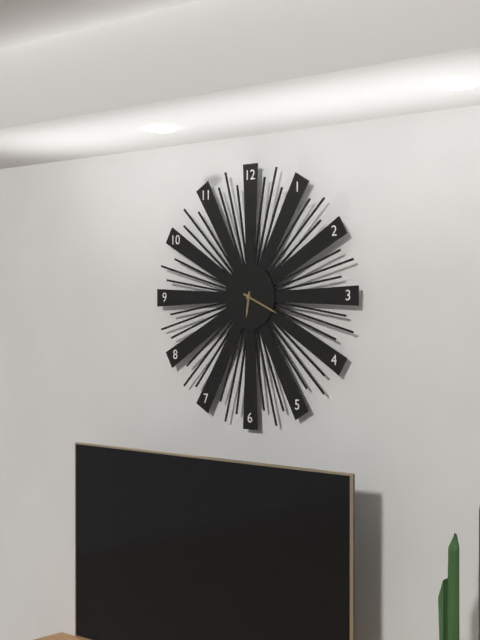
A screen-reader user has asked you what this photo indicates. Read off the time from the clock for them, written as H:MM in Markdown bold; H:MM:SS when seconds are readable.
**6:19**
